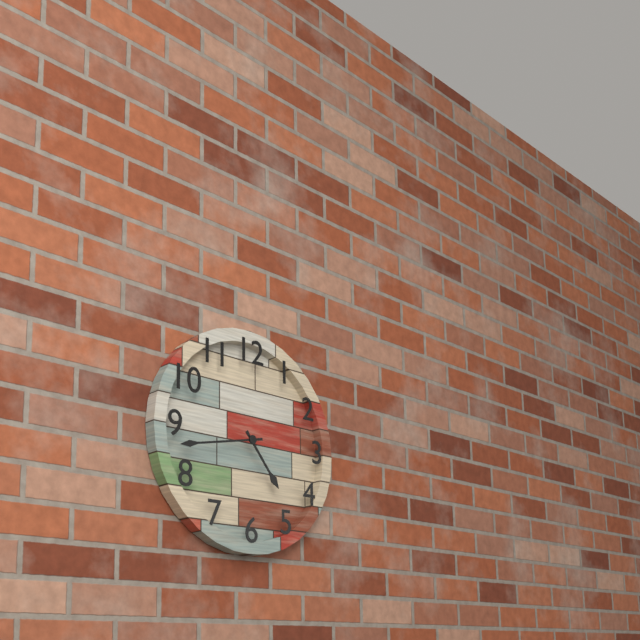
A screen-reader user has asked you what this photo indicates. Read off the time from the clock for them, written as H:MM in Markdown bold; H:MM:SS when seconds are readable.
**4:43**
